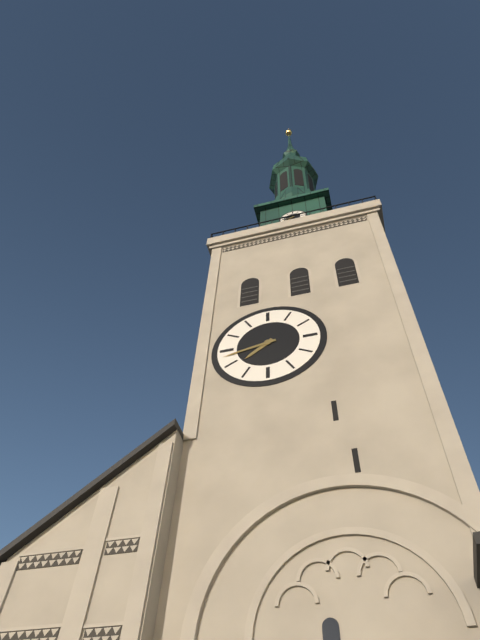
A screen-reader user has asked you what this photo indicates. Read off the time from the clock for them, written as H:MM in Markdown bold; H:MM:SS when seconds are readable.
**7:43**
